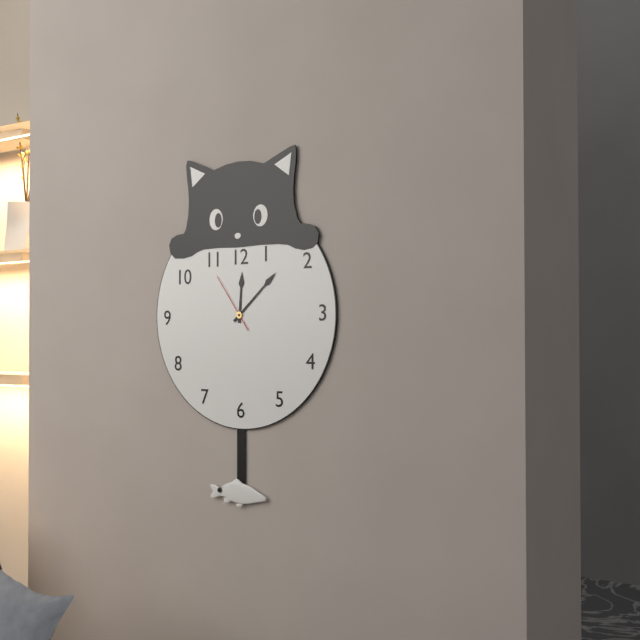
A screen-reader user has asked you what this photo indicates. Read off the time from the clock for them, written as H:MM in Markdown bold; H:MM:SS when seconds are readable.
**12:08:54**
